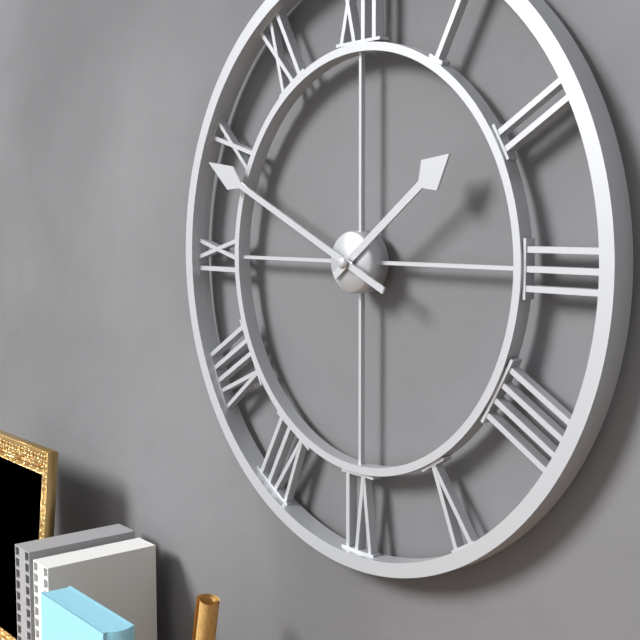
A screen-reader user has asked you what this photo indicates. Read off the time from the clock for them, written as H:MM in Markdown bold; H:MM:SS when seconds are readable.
**1:49**
